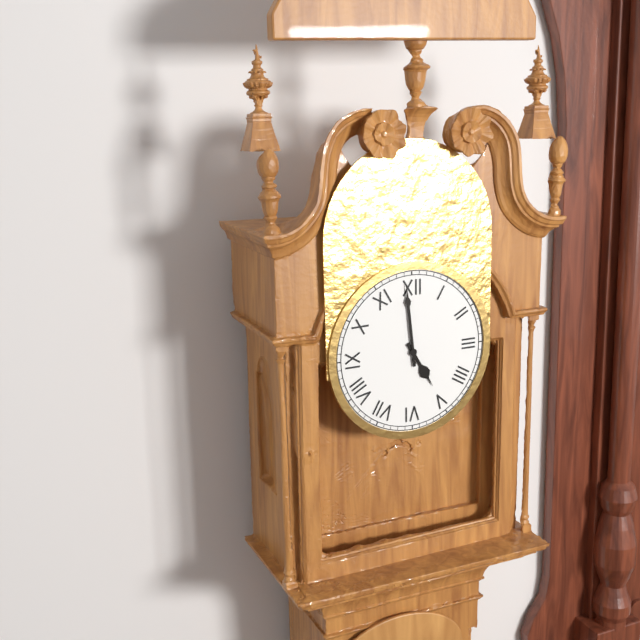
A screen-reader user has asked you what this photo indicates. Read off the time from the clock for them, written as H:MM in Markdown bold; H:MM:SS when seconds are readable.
**4:59**
